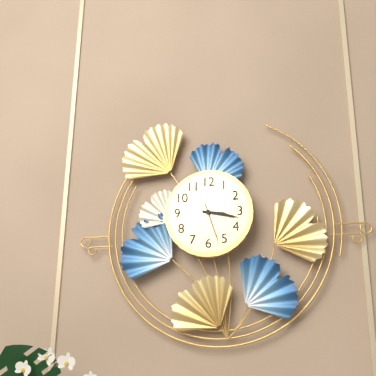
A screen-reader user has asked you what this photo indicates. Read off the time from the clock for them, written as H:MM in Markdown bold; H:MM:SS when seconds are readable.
**3:17**
